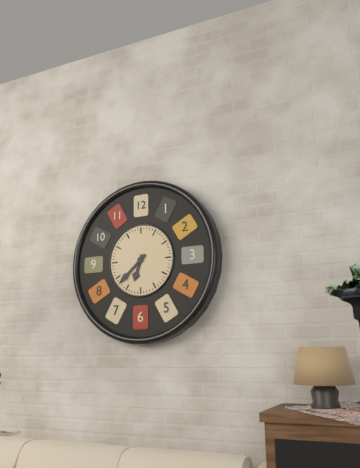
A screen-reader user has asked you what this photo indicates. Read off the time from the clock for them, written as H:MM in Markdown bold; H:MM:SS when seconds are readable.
**6:38**
